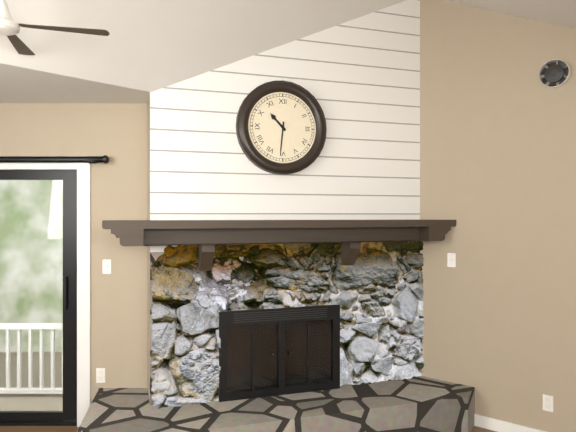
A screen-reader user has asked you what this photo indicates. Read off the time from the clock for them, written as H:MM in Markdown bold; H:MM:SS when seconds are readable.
**10:31**
